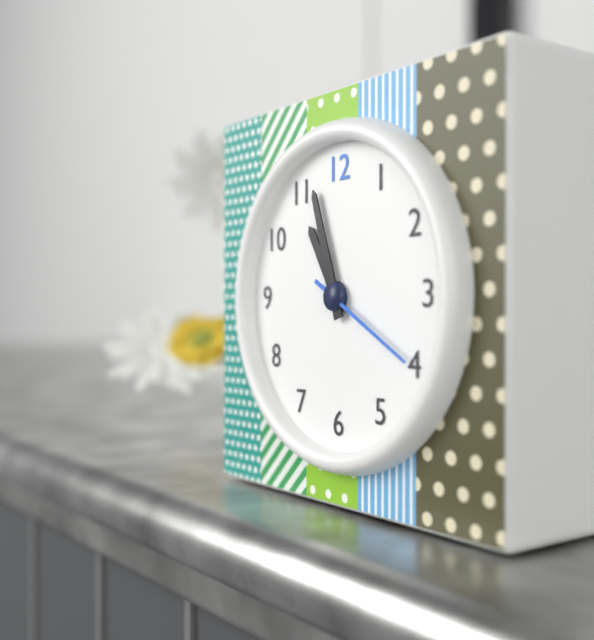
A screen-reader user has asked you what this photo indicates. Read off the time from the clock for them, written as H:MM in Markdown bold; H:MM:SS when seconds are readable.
**10:57:20**
